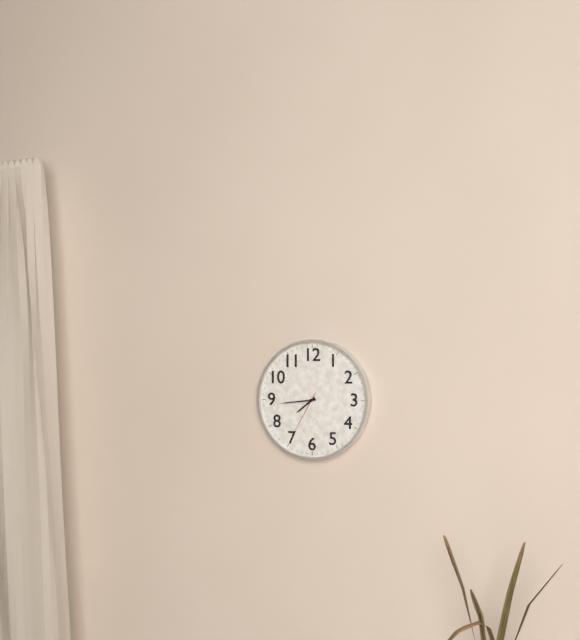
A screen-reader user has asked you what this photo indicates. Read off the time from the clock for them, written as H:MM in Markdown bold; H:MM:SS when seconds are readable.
**7:44**
